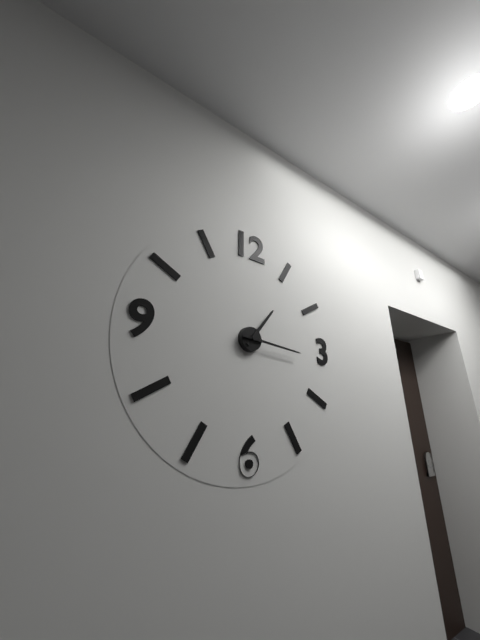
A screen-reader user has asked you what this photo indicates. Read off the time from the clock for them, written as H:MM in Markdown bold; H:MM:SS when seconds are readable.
**1:16**
